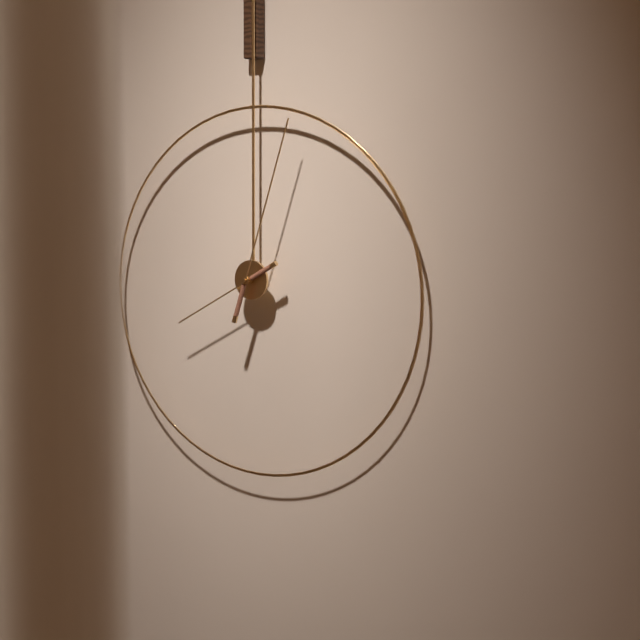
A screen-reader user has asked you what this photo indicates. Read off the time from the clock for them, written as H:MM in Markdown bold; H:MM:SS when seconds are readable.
**8:03**
